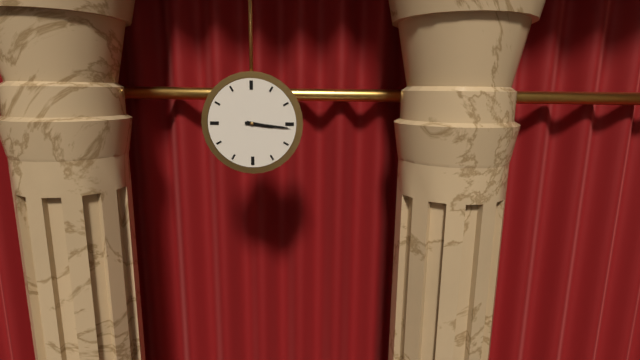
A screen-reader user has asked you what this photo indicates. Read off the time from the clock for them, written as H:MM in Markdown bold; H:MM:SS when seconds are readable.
**3:16**
